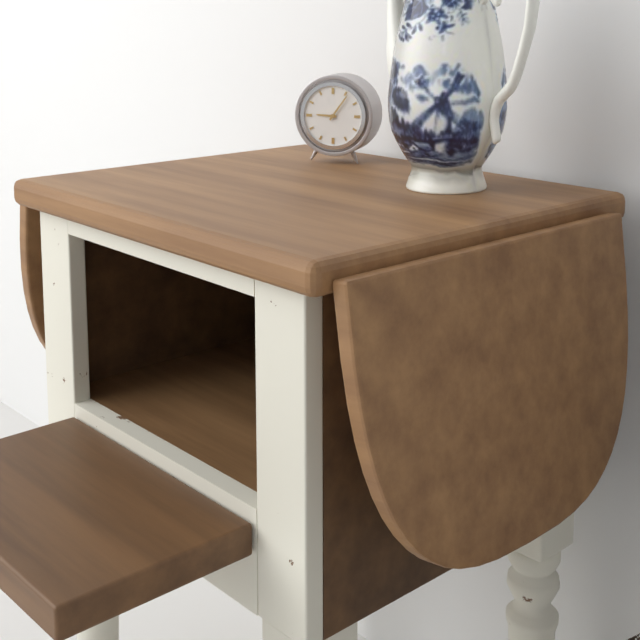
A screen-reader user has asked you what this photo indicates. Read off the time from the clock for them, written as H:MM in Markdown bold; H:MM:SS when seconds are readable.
**9:06**
